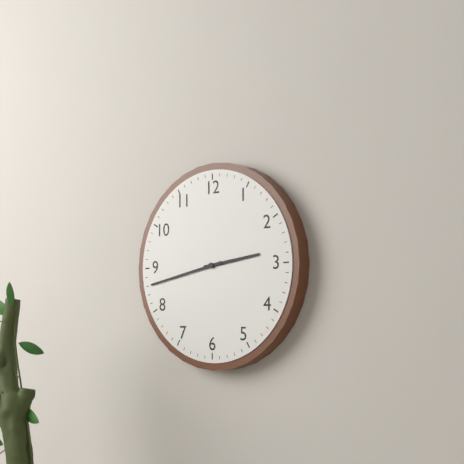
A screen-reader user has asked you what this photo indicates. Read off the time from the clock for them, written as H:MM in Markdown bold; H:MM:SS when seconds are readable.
**2:43**
